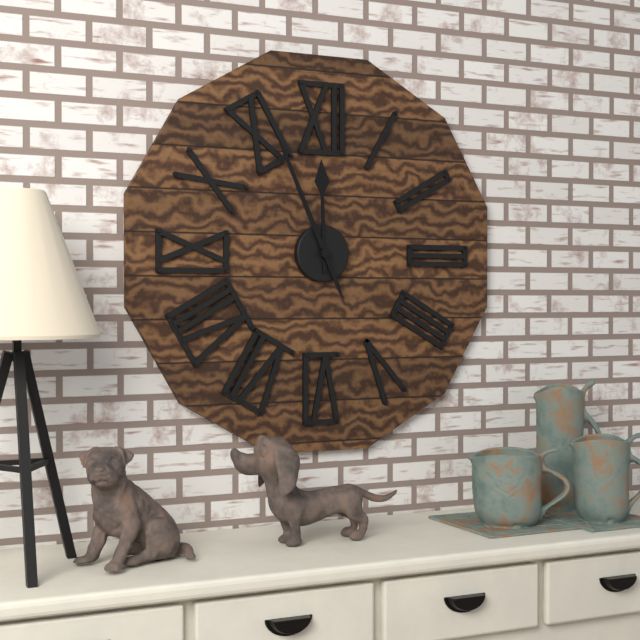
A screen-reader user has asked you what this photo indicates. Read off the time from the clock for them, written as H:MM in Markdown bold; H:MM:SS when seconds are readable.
**11:56**
